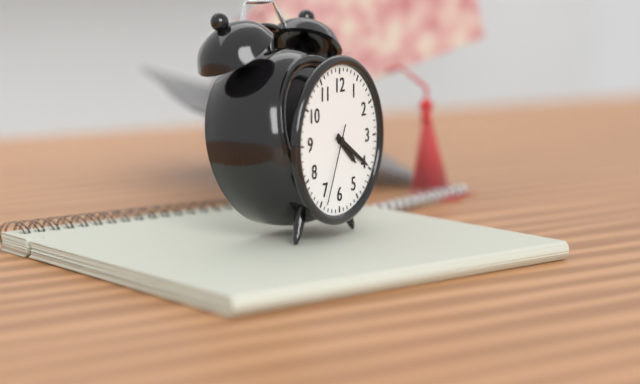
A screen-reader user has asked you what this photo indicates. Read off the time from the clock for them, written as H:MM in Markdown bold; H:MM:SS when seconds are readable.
**4:20:34**
